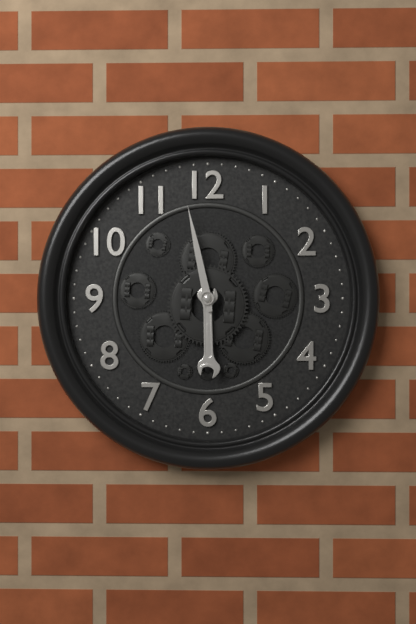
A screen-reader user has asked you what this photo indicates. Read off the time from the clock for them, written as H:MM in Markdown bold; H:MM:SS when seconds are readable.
**5:58**
